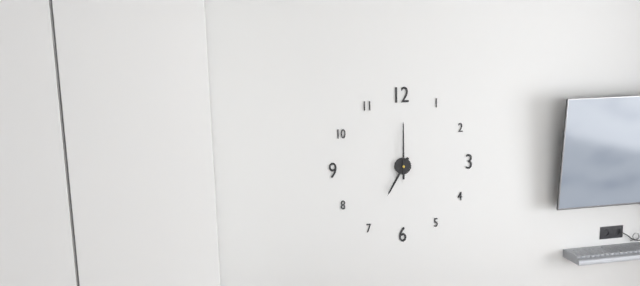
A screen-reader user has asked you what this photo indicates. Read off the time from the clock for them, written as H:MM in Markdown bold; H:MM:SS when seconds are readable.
**7:00**
